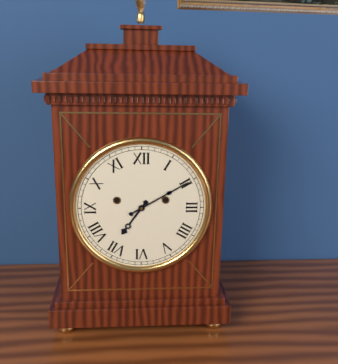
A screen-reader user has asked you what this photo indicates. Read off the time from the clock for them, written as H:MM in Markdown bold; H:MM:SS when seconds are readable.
**7:10**
